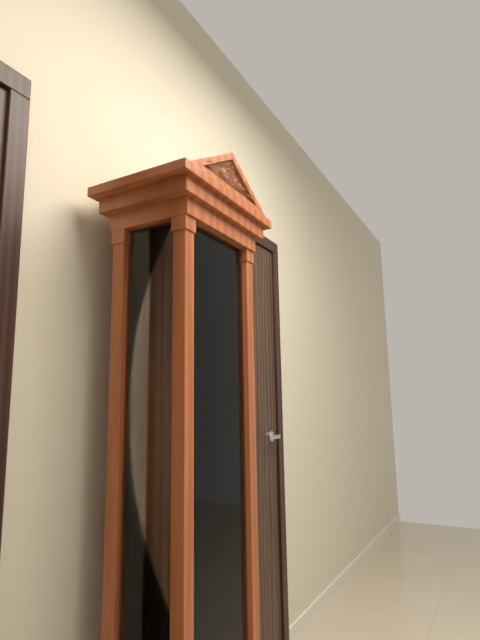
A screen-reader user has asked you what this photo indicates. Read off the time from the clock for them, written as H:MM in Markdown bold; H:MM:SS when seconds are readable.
**11:25**
